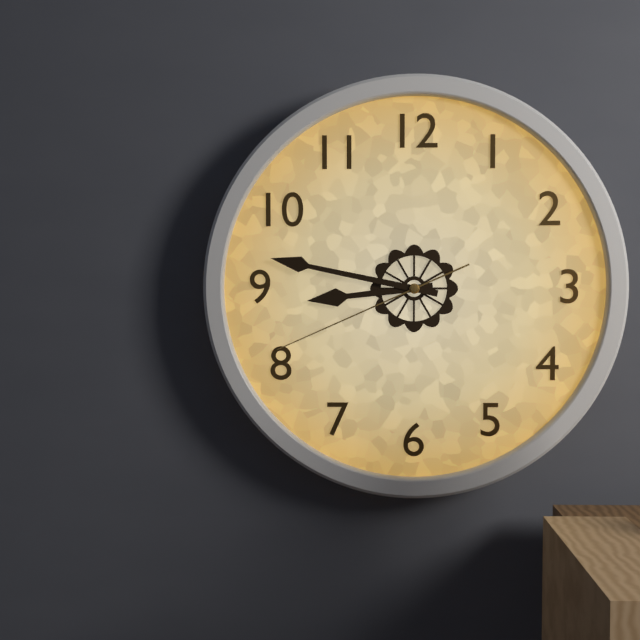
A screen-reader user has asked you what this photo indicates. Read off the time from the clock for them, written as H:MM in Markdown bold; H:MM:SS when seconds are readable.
**8:47:41**
